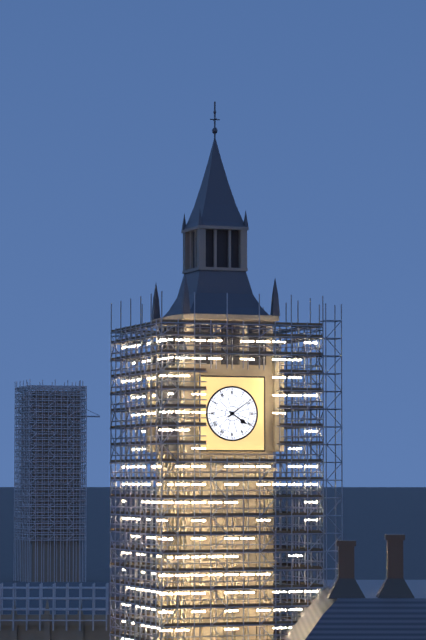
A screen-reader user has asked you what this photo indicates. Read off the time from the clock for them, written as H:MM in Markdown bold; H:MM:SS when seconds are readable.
**4:09**
